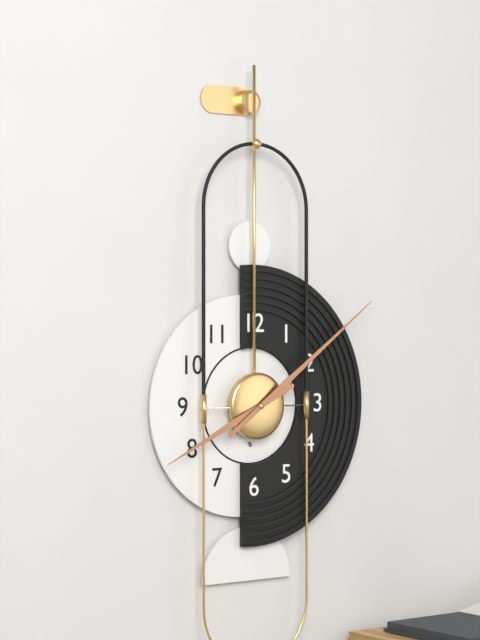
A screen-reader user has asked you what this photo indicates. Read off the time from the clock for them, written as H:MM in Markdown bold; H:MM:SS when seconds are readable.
**8:09**
